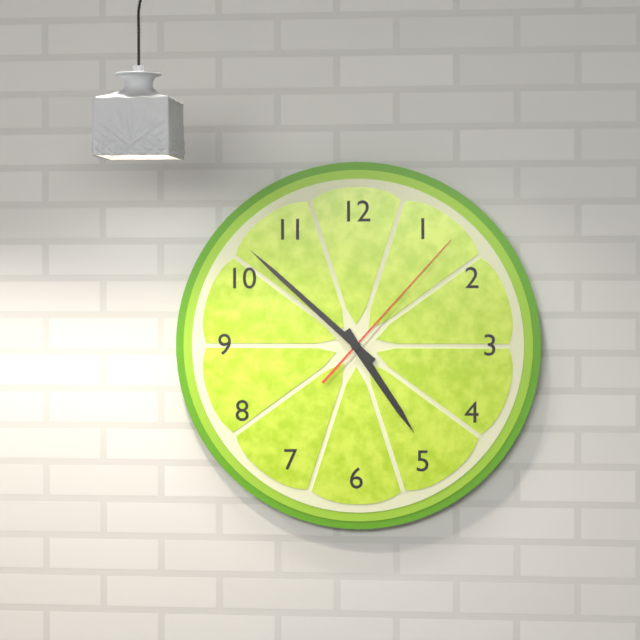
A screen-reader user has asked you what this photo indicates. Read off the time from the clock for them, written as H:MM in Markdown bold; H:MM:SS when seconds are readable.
**4:52:07**
